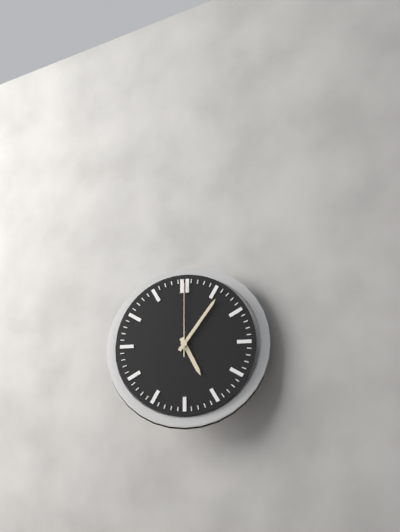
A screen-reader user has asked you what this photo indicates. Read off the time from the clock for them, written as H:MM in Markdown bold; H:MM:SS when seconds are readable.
**5:06:00**
